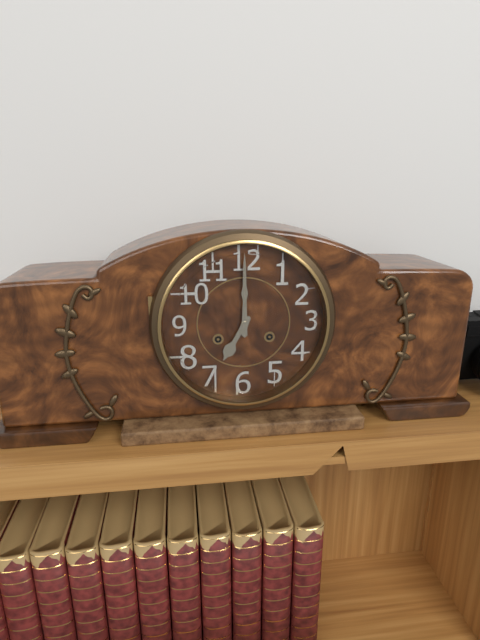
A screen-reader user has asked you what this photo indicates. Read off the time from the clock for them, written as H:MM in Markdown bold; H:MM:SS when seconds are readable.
**7:00**
